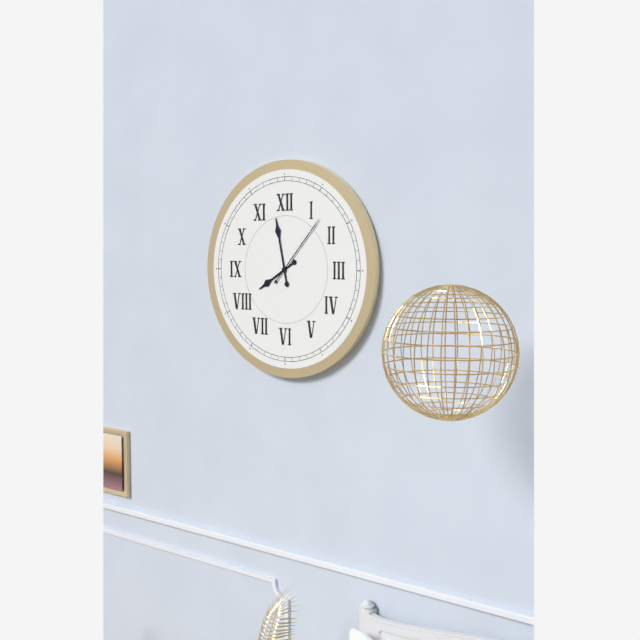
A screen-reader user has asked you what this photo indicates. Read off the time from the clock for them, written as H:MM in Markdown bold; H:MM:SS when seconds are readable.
**7:58:07**
